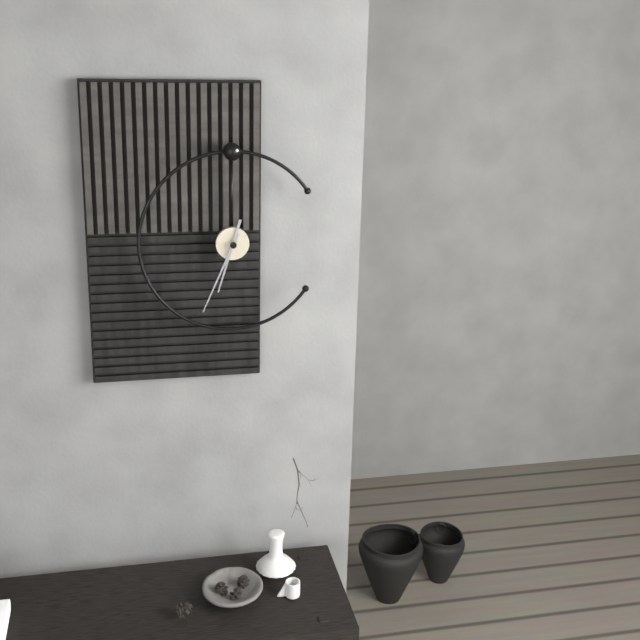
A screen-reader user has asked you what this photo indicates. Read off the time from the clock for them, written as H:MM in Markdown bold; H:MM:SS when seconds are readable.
**6:34**
